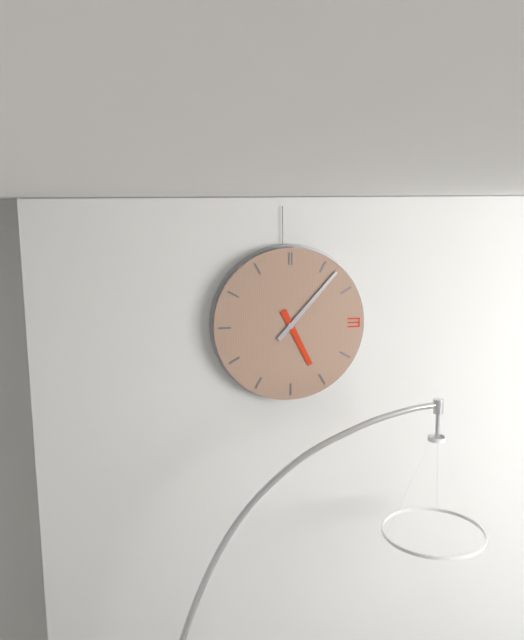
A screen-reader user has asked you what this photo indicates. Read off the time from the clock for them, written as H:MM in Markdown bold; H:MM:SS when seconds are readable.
**5:07**
